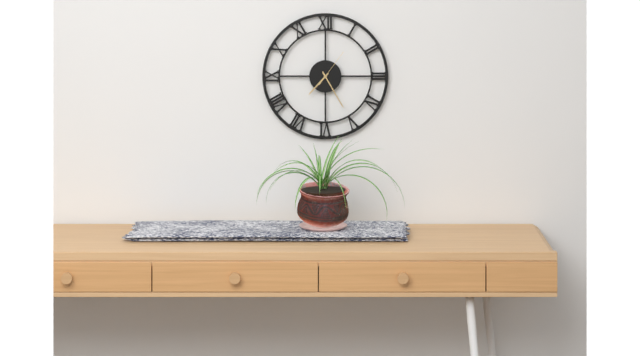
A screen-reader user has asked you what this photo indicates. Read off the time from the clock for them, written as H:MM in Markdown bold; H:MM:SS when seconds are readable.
**7:25**
